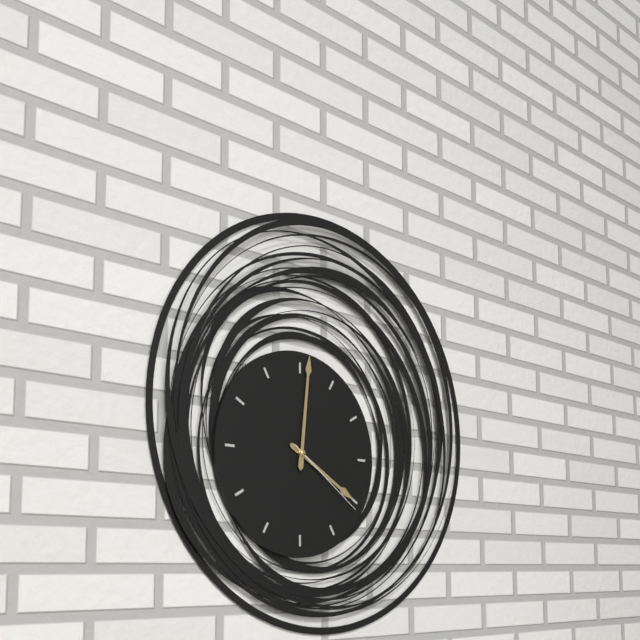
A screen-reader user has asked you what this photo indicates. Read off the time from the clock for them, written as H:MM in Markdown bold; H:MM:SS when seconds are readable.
**4:01:21**
